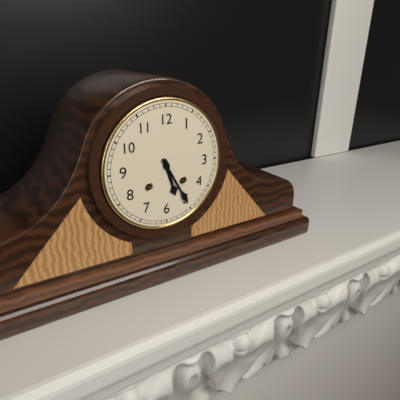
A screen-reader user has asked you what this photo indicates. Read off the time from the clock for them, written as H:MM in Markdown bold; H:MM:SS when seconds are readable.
**5:25**
